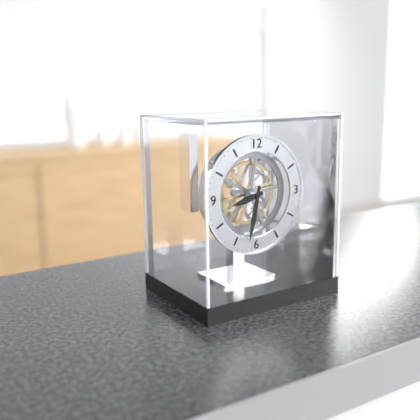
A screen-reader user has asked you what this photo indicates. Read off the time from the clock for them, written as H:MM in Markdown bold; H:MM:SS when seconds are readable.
**8:32**
